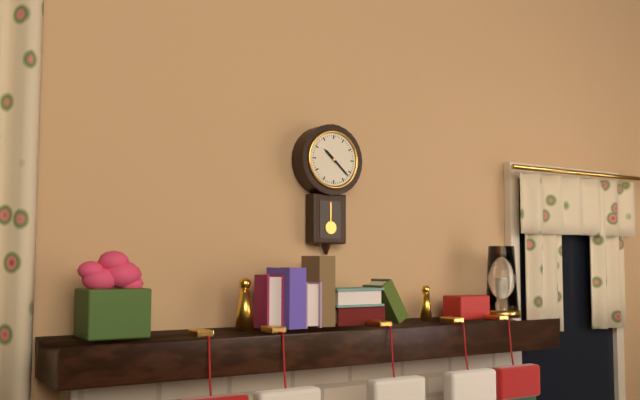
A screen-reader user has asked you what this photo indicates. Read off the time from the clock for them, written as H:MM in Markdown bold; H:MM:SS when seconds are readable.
**10:22**
